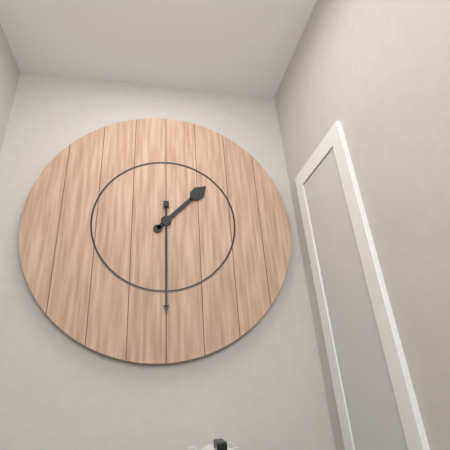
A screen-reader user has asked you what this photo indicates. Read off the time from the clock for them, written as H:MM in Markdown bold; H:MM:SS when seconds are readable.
**1:30**
